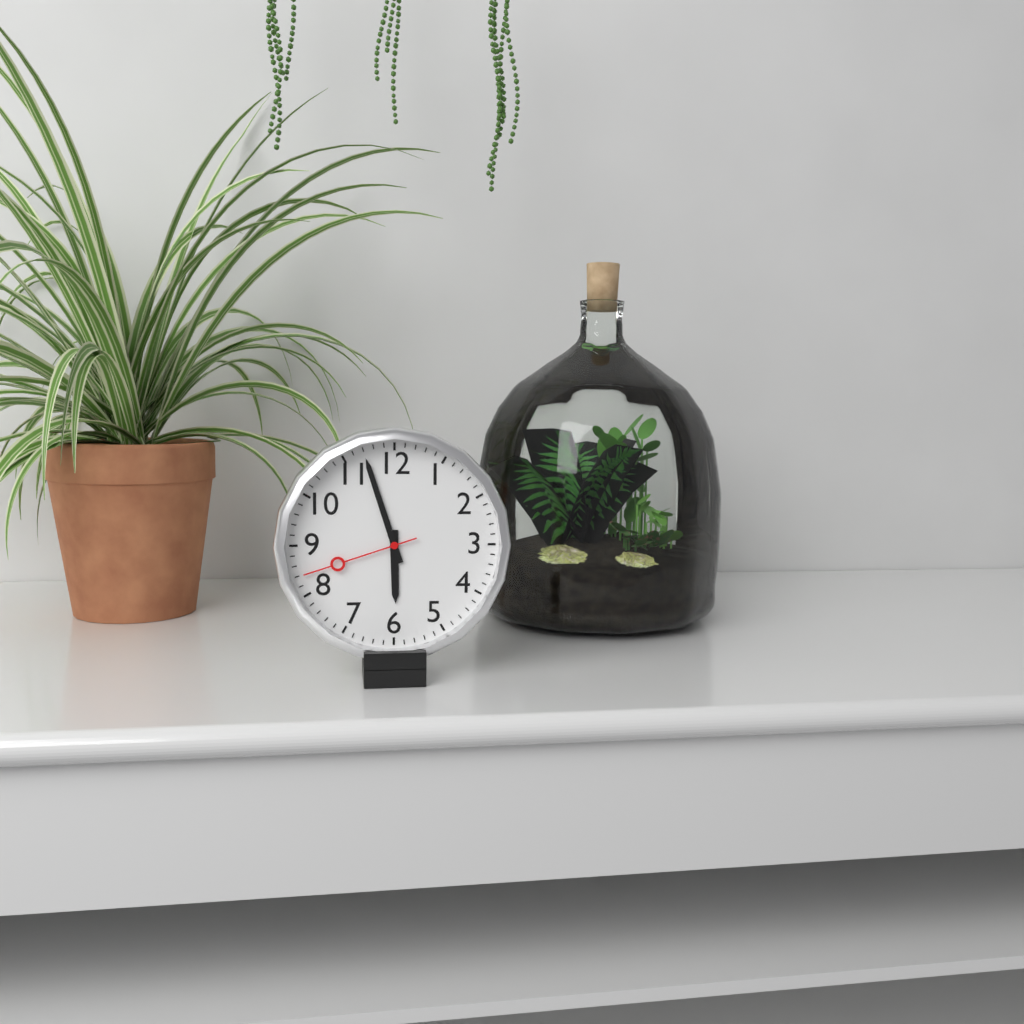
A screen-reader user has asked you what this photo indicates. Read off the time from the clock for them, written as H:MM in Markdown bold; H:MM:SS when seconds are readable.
**5:57:42**
